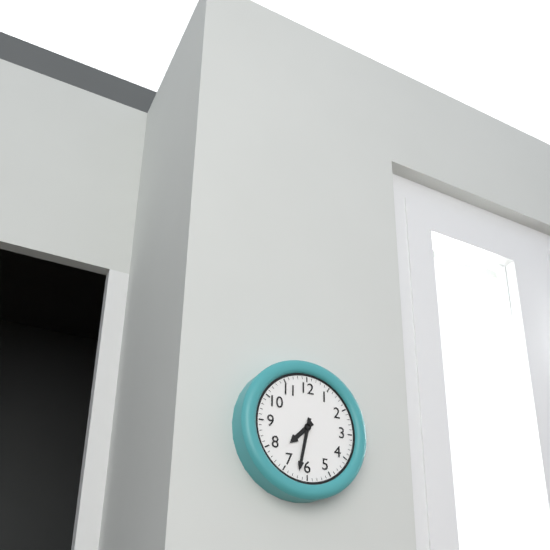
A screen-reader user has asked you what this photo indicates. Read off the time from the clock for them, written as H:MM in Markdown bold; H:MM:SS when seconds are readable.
**7:32**
